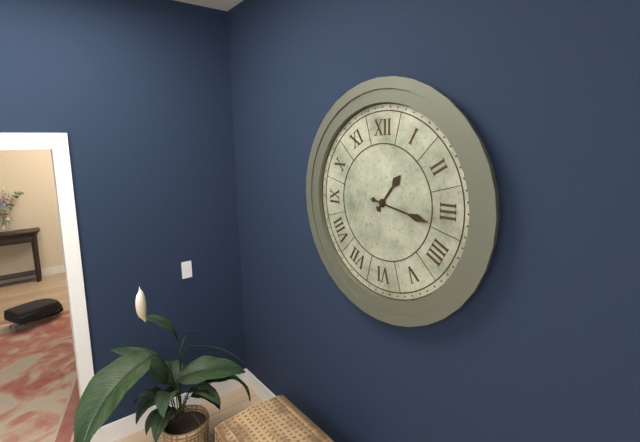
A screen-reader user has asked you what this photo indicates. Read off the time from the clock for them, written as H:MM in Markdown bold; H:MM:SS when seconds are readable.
**1:17**
